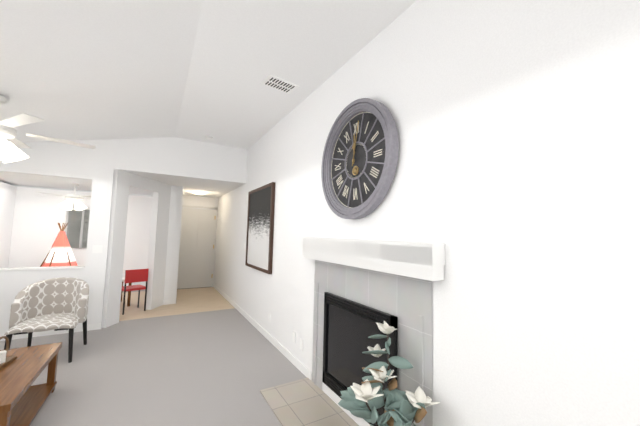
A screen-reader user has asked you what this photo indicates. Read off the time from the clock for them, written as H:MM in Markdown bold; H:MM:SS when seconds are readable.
**12:02**
